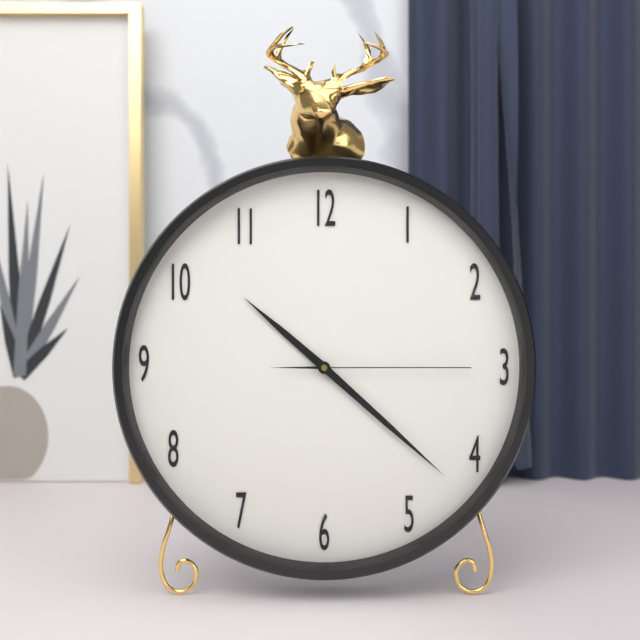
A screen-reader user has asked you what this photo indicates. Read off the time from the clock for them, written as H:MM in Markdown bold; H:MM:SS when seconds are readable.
**10:22:15**
